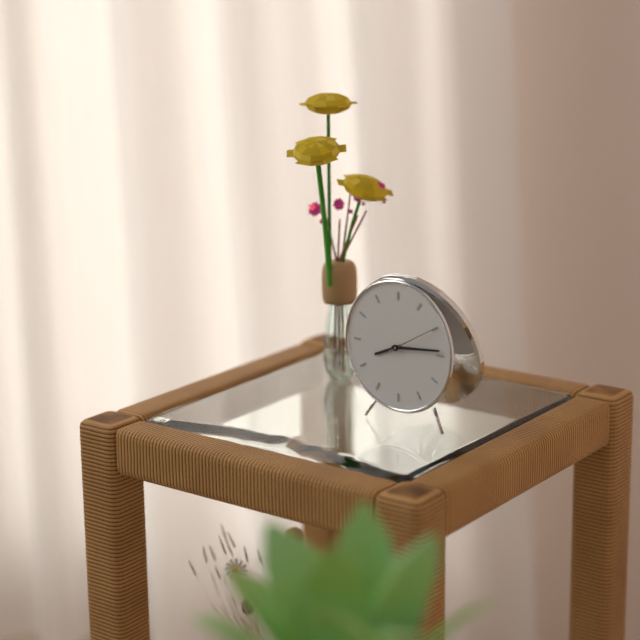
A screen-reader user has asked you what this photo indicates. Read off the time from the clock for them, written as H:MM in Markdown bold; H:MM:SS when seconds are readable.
**8:14:10**
